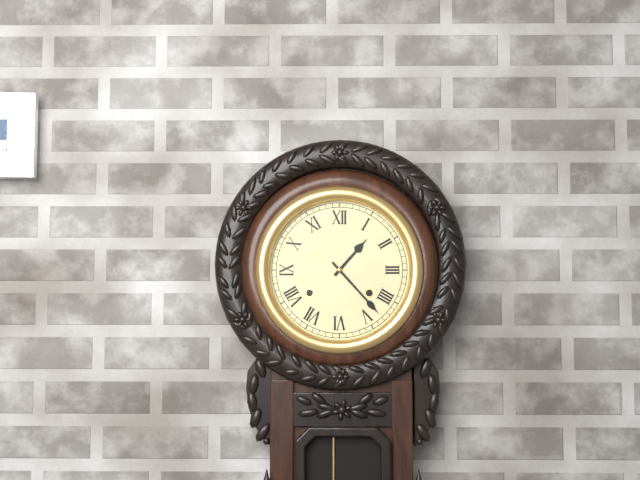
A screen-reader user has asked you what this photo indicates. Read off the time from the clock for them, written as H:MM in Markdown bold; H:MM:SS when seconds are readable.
**1:23**
